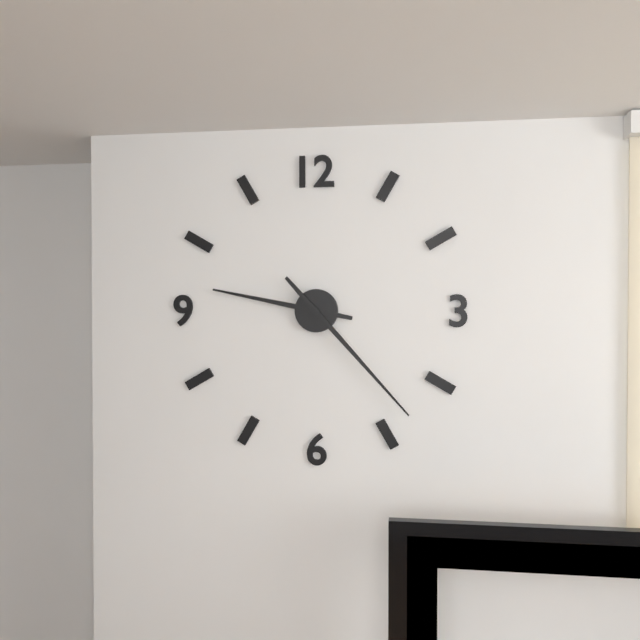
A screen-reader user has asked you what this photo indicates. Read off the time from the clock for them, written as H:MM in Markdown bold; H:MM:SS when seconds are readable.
**9:23**
